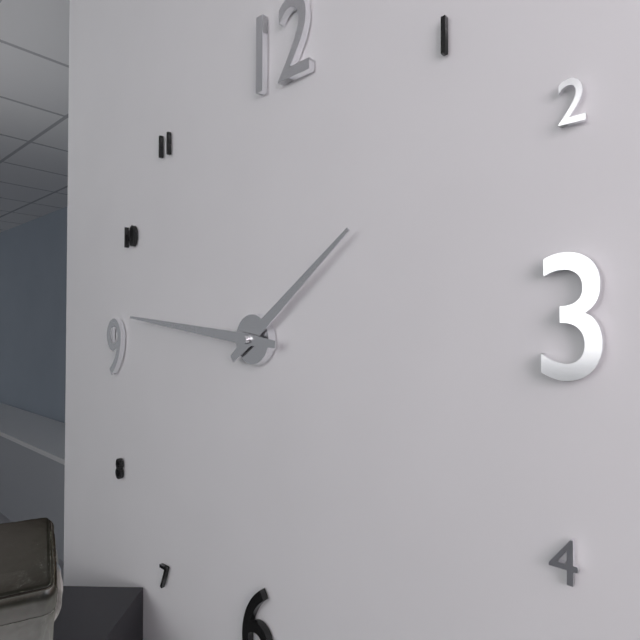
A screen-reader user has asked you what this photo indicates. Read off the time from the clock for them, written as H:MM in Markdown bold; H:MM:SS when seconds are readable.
**1:46**
